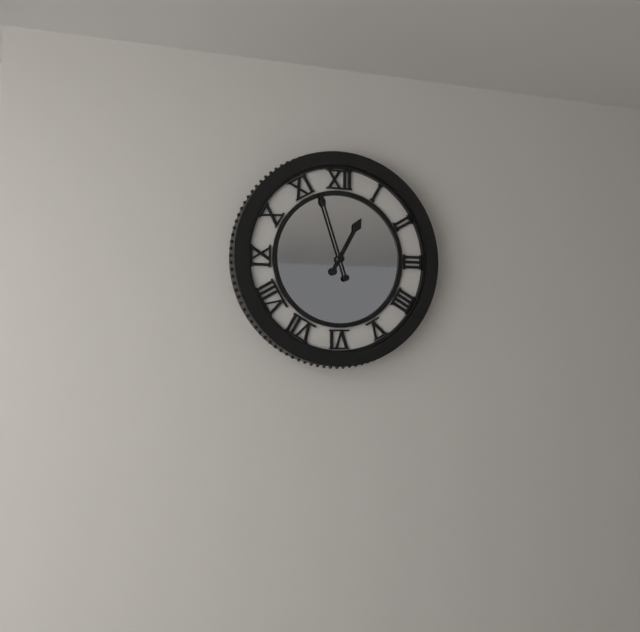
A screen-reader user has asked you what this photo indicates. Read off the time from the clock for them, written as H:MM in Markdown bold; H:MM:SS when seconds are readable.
**12:57**
